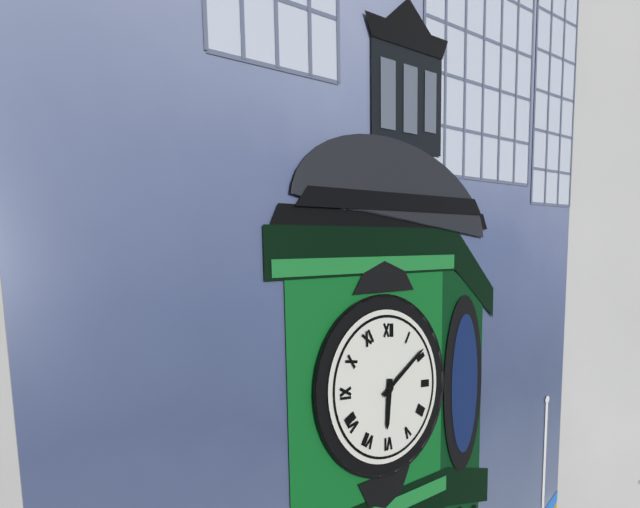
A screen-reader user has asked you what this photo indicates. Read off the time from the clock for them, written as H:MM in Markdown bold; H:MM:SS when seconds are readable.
**6:09**
